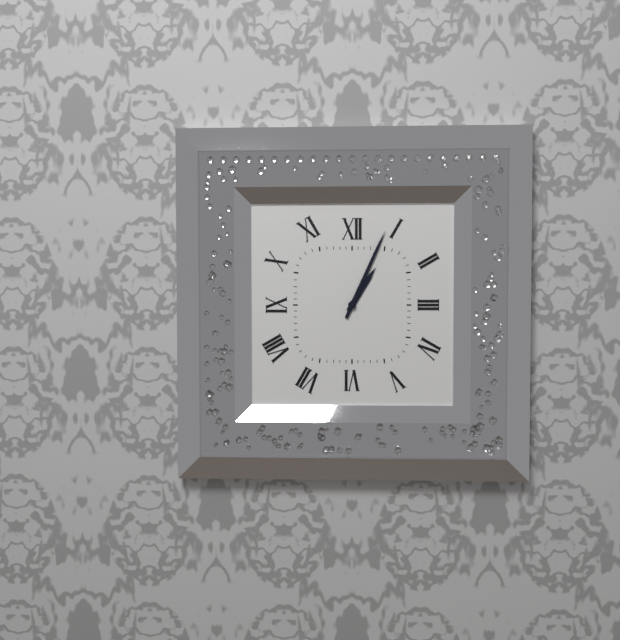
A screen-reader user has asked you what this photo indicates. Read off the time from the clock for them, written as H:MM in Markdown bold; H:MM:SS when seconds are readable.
**1:04**
